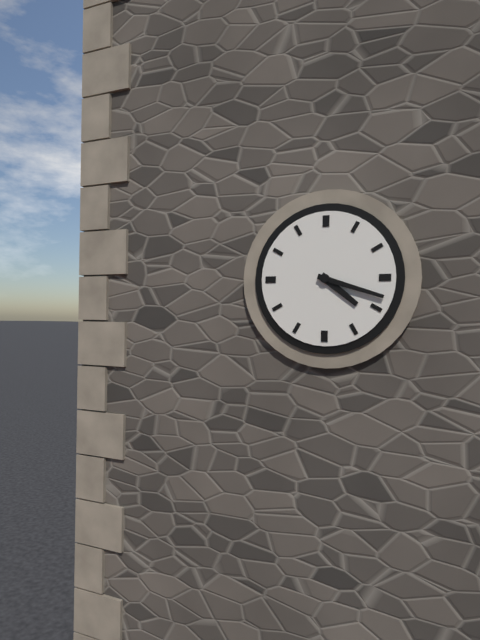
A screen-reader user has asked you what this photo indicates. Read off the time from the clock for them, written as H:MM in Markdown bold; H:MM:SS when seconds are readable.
**4:18**
